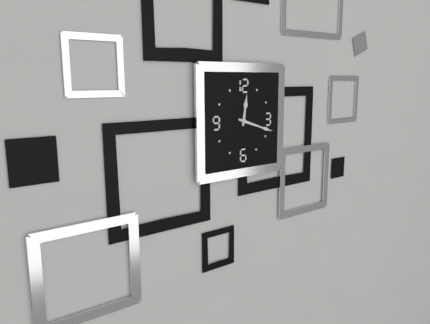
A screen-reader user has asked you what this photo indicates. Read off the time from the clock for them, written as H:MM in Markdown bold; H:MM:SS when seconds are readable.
**12:18**
